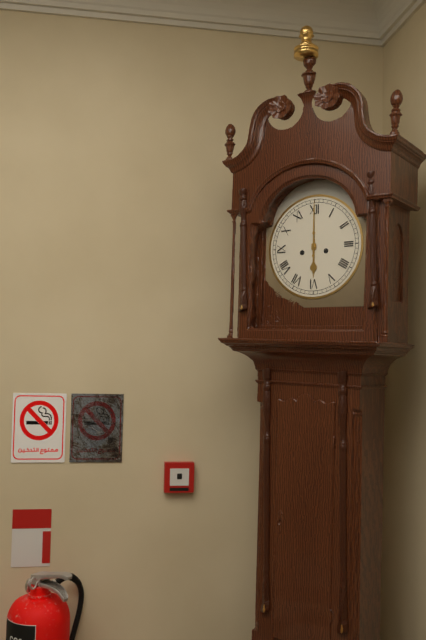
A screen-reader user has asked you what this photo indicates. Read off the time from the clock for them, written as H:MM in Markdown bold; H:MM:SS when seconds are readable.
**6:00**
